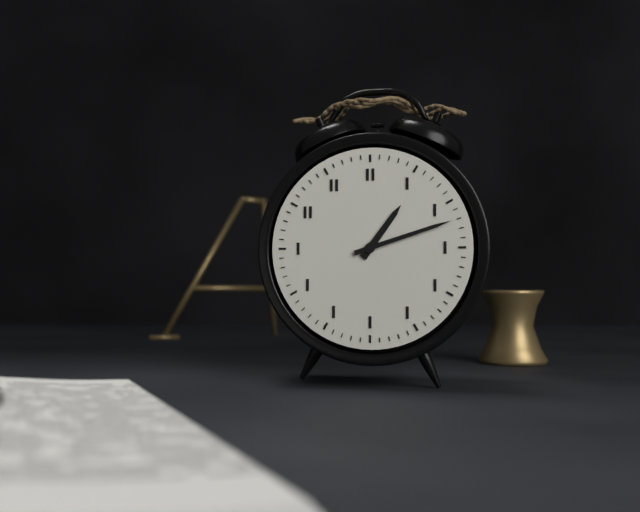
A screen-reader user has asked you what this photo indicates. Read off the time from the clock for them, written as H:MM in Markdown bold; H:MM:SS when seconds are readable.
**1:12**
